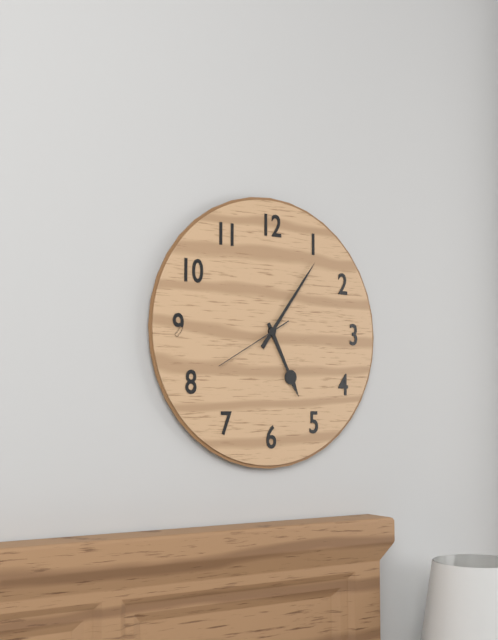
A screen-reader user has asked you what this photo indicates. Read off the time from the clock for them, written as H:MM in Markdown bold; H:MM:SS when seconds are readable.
**5:06:40**
